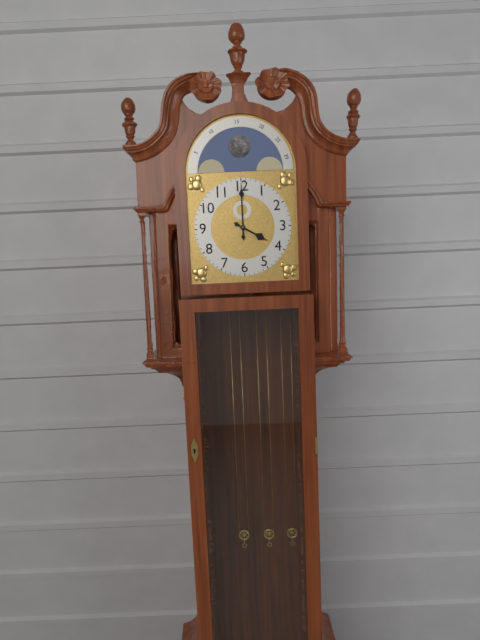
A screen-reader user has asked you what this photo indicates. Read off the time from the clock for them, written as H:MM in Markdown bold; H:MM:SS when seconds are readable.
**4:00**
